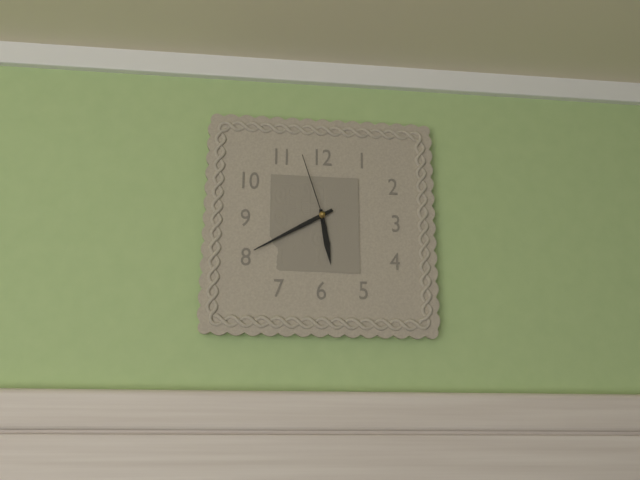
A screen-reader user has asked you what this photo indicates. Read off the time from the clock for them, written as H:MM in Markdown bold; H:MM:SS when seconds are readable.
**5:40:57**
